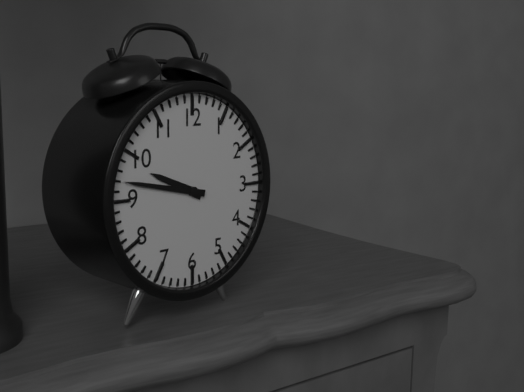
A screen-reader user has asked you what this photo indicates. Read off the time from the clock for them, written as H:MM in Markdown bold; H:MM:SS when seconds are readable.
**9:47**
